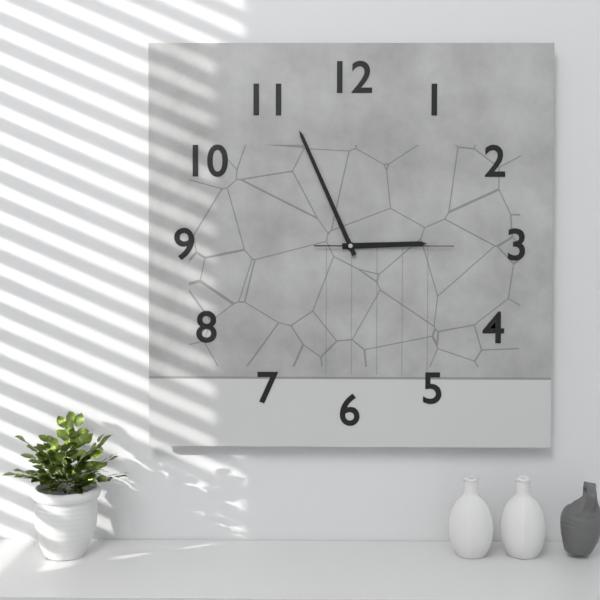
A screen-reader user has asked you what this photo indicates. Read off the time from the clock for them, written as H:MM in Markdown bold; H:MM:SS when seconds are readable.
**2:56:15**
